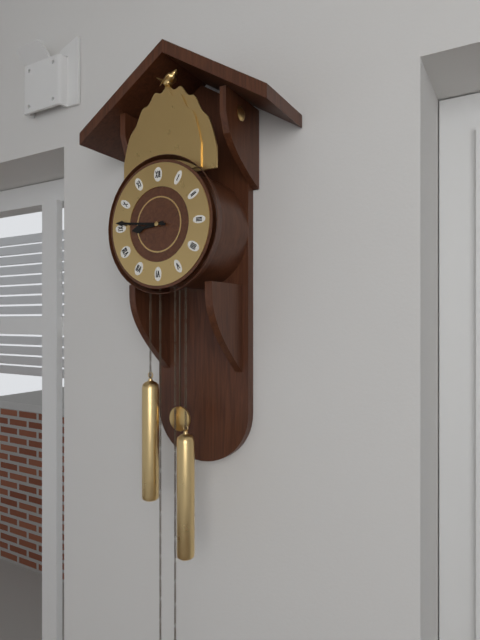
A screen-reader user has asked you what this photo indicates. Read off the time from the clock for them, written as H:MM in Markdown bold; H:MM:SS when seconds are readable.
**8:46**
